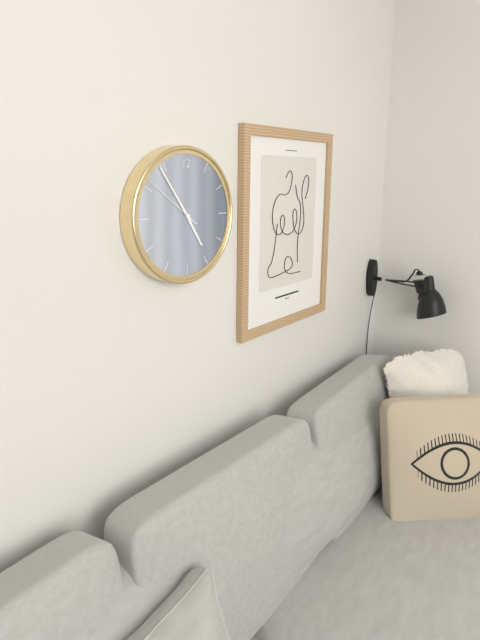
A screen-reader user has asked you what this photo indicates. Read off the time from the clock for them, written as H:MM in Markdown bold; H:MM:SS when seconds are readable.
**4:54:51**
